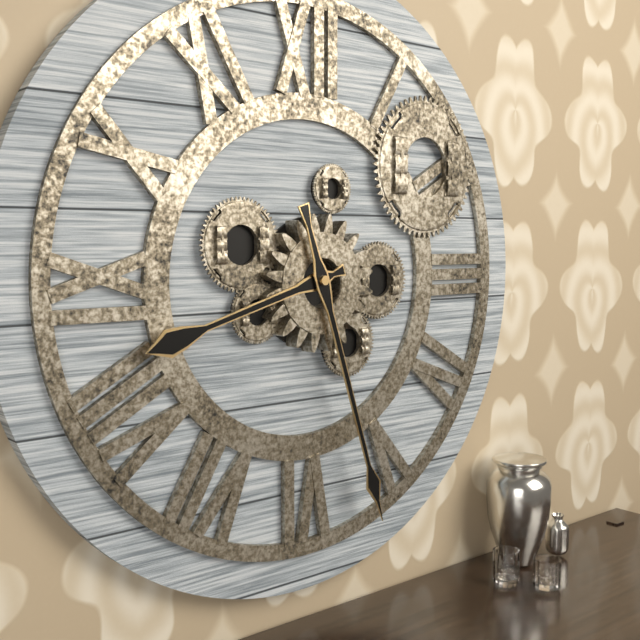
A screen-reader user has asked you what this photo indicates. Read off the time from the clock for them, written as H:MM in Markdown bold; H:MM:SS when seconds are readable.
**8:27**
